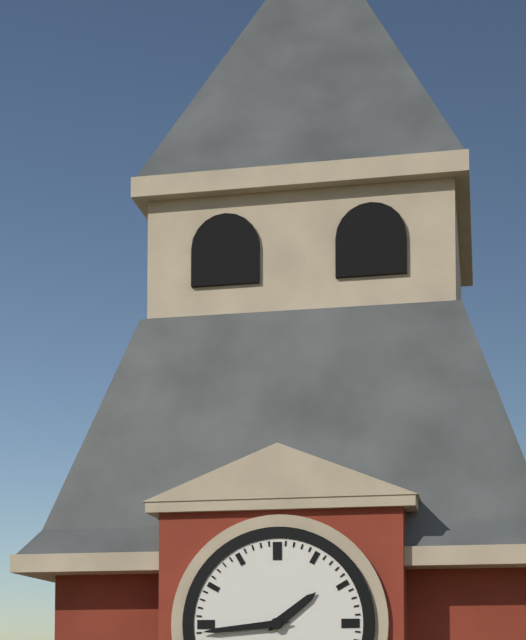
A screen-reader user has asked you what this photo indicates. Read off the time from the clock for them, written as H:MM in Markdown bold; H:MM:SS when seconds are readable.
**1:44**
